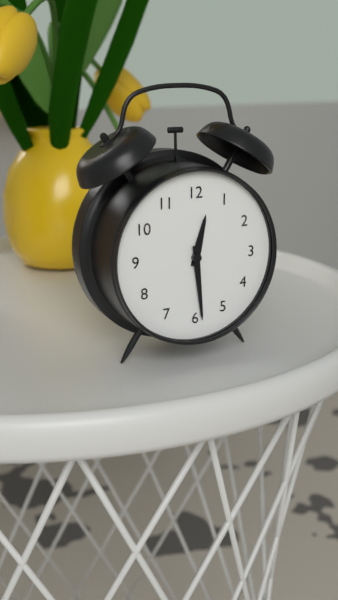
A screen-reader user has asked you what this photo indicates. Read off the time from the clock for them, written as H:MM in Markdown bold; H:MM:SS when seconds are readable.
**12:29**
